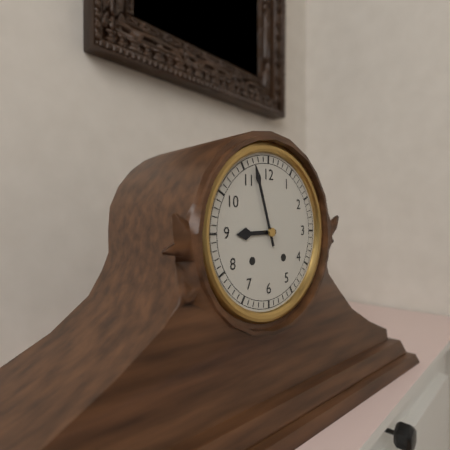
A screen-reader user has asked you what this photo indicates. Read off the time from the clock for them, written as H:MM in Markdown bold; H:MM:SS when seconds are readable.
**8:57**
